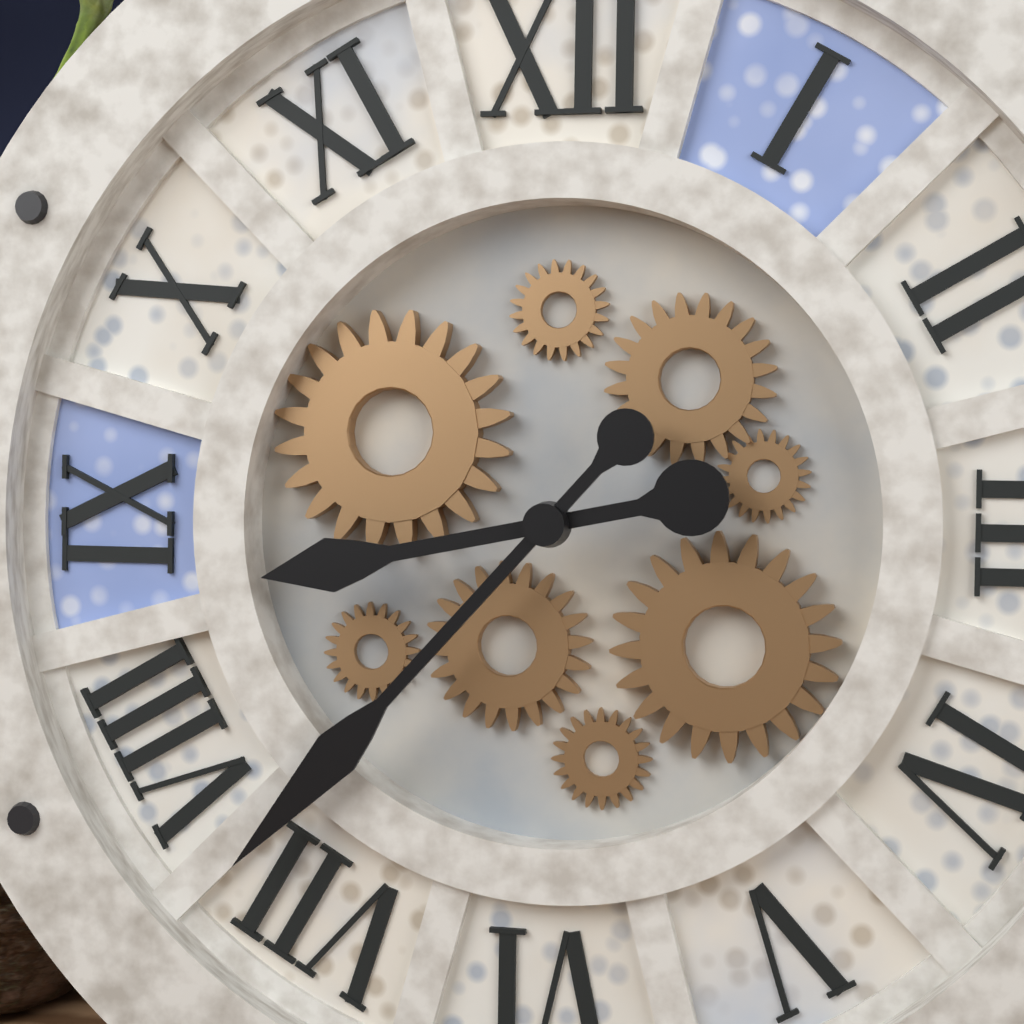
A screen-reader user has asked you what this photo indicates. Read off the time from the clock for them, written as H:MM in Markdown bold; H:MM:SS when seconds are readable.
**8:37**
